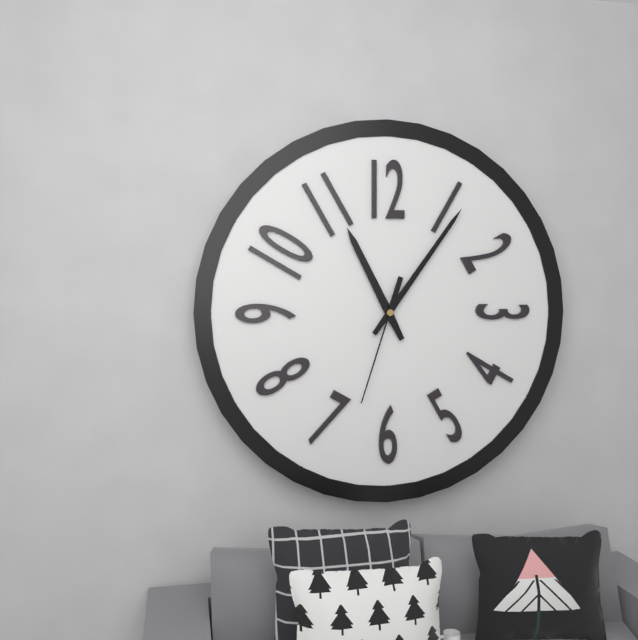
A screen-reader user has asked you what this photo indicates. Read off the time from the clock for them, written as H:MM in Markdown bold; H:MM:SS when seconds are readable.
**11:06:33**
